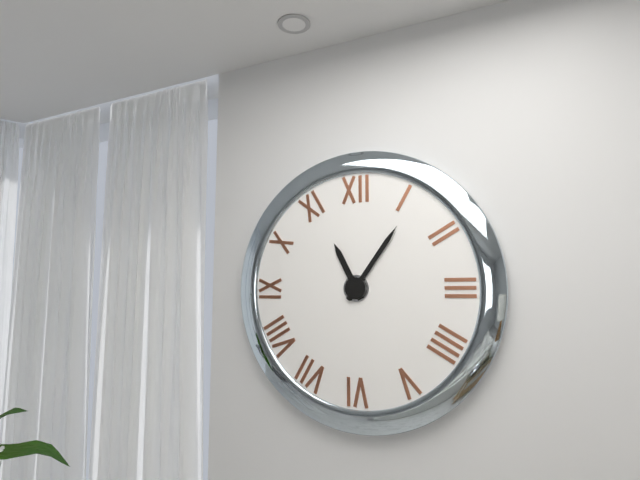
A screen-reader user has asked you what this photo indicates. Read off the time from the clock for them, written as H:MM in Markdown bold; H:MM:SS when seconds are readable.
**11:06**
